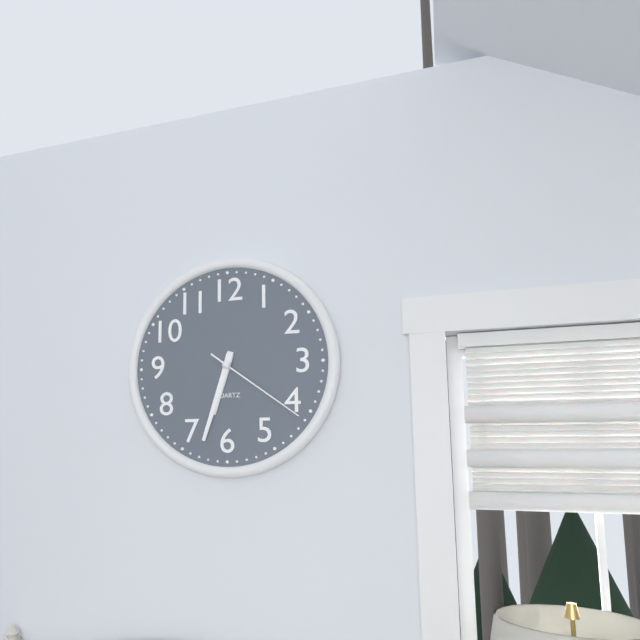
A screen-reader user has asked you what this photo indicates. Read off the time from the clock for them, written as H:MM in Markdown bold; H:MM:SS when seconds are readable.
**6:33:21**
